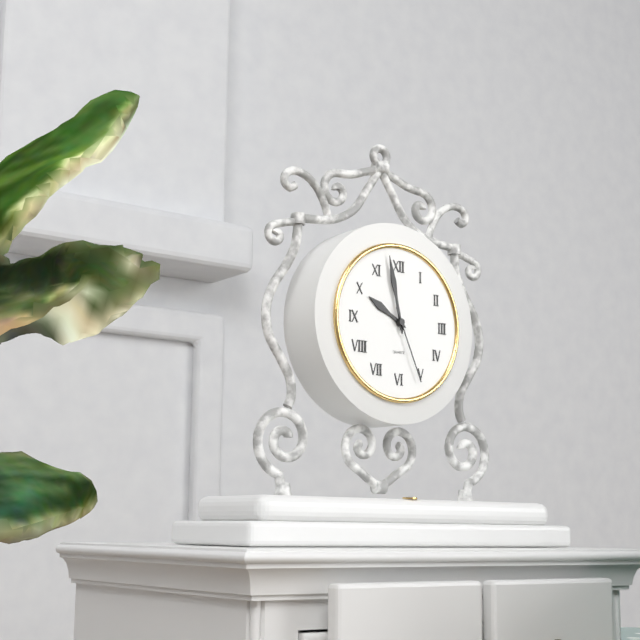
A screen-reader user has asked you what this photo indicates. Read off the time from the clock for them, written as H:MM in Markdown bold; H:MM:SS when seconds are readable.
**9:58:26**
